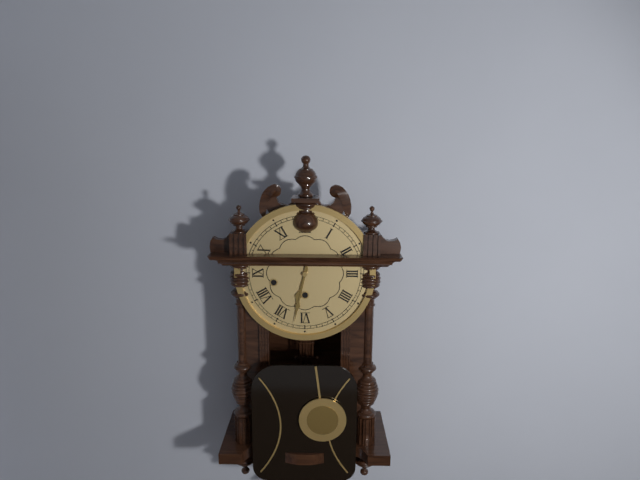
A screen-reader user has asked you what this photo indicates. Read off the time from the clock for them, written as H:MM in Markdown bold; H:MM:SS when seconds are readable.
**6:32**
